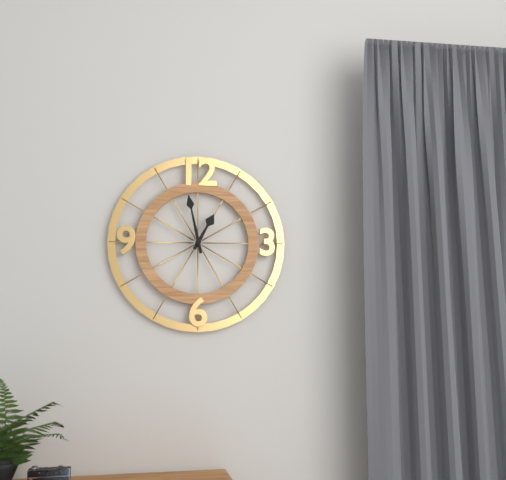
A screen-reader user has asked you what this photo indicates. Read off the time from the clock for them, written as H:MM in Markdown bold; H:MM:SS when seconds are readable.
**12:58**
